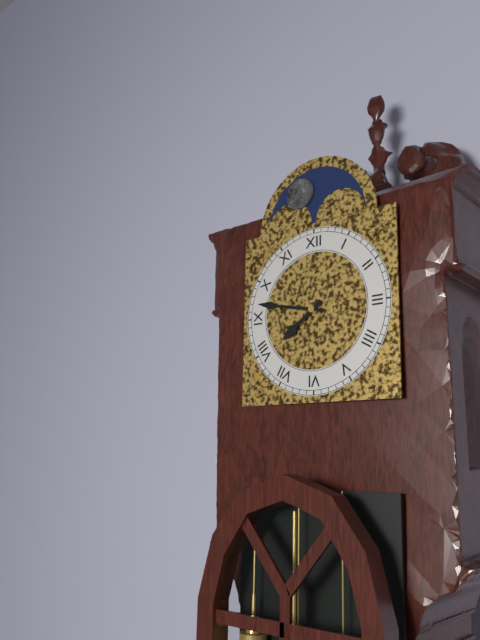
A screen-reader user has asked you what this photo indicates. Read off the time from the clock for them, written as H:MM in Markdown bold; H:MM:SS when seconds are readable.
**7:47**
